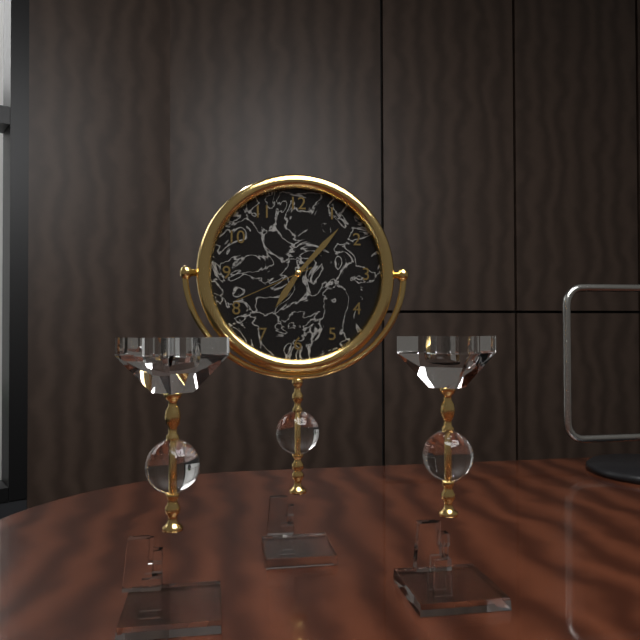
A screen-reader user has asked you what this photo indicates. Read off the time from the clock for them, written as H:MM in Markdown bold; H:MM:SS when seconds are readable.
**7:07:41**
